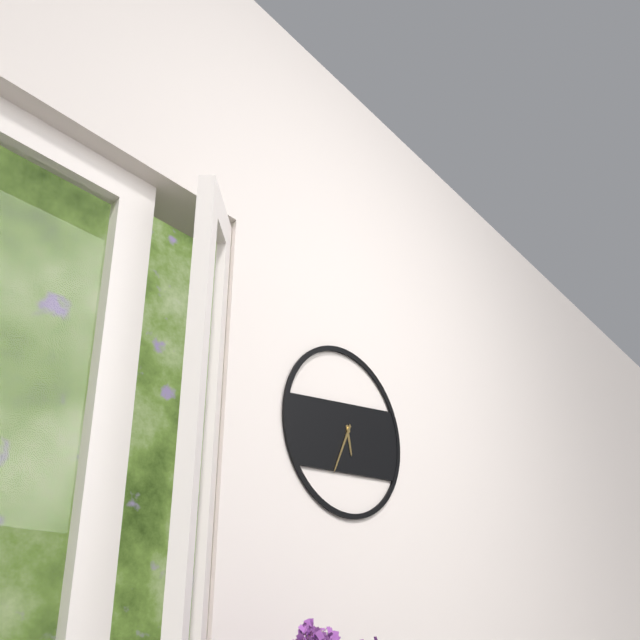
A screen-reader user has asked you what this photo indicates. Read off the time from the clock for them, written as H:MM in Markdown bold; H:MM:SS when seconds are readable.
**5:34**
